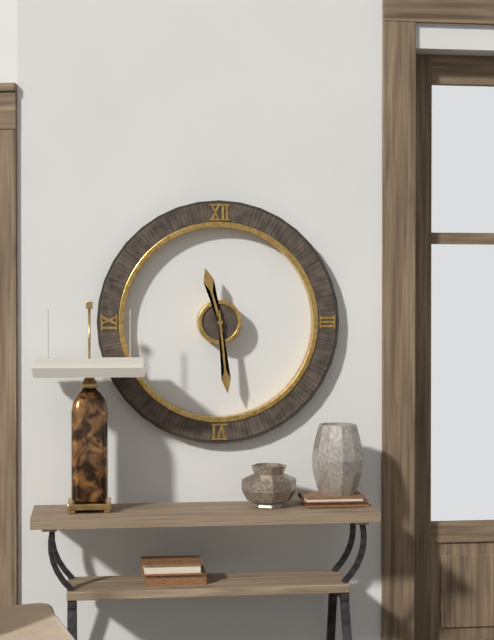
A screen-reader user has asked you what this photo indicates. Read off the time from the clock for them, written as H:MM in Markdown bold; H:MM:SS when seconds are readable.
**11:29**
